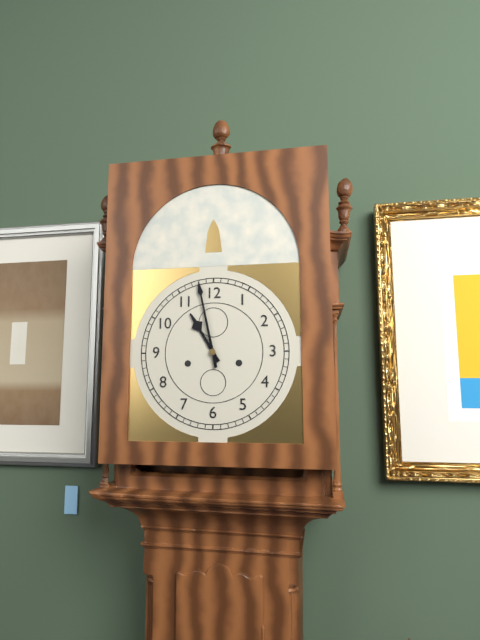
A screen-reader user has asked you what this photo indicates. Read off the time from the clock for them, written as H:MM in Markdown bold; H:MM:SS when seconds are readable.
**10:58**
